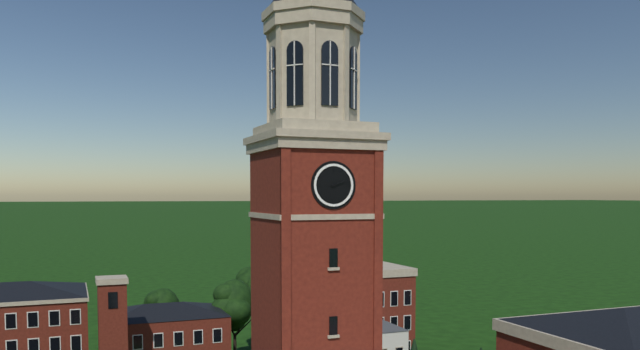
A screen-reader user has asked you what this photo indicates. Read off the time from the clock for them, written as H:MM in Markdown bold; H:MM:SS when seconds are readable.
**2:12**
